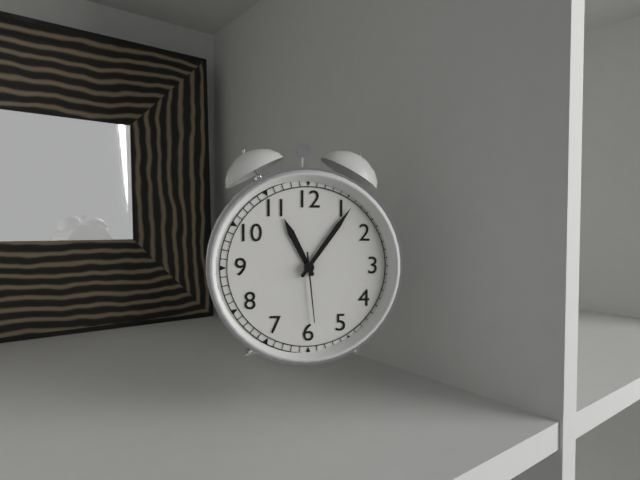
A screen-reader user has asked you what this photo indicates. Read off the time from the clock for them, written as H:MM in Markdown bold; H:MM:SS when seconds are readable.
**11:06:29**
